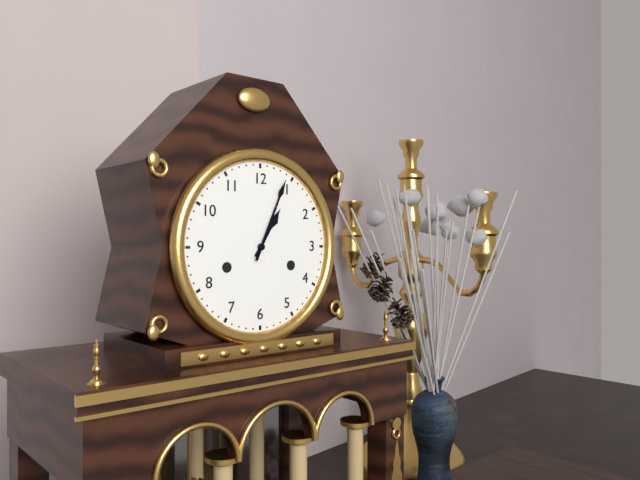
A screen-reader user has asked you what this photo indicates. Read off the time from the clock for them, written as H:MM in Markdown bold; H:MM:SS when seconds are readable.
**1:04**
